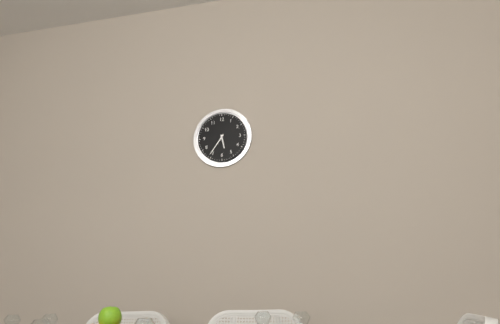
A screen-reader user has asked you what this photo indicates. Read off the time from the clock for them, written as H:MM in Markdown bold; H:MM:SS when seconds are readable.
**5:36**
